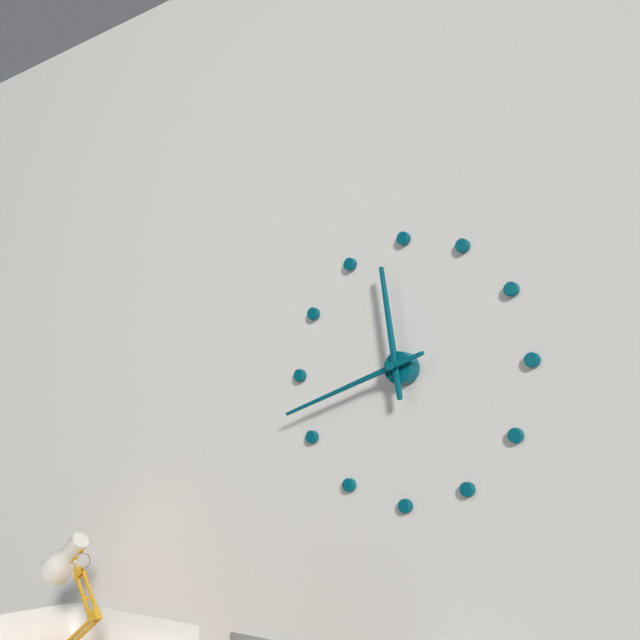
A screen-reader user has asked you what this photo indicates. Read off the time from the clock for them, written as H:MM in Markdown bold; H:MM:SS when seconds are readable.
**11:42**
